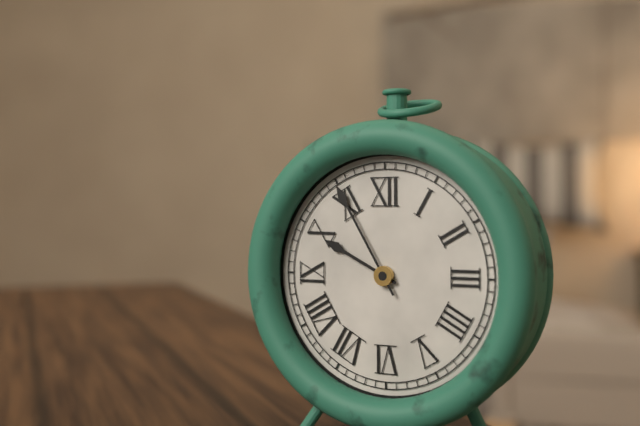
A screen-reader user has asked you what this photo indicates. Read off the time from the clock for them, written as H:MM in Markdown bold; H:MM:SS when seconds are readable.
**9:55**
